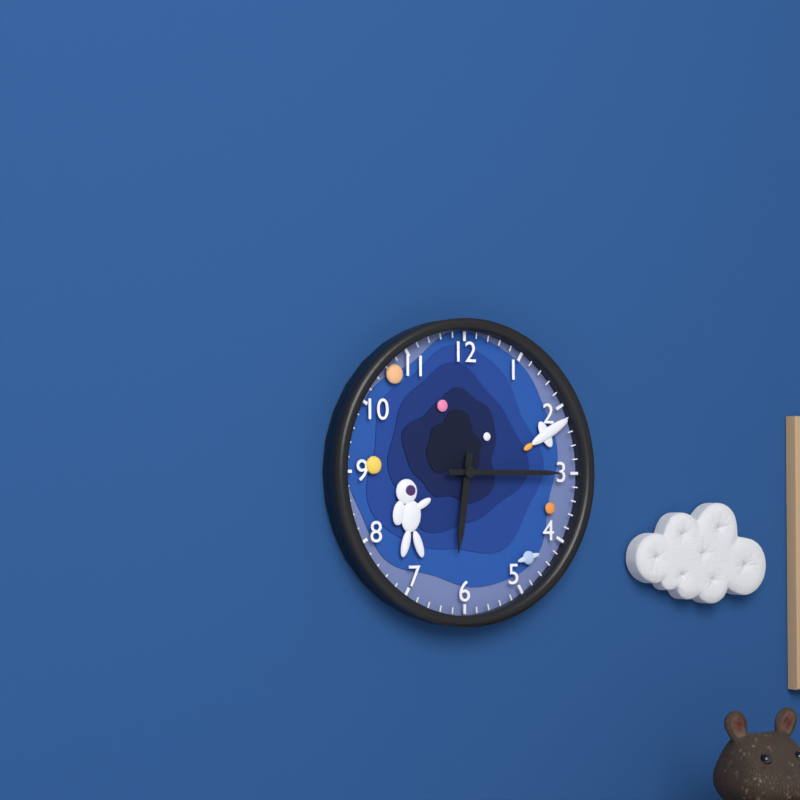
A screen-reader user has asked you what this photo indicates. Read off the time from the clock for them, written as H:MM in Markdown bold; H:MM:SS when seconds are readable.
**6:15**
